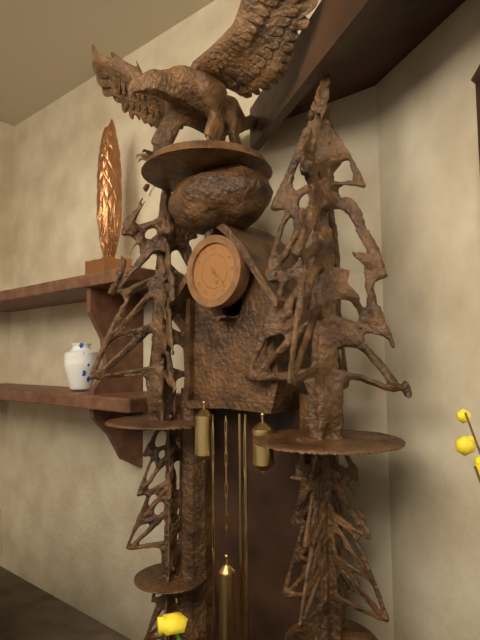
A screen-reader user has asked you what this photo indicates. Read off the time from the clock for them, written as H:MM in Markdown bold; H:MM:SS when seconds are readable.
**5:23**
